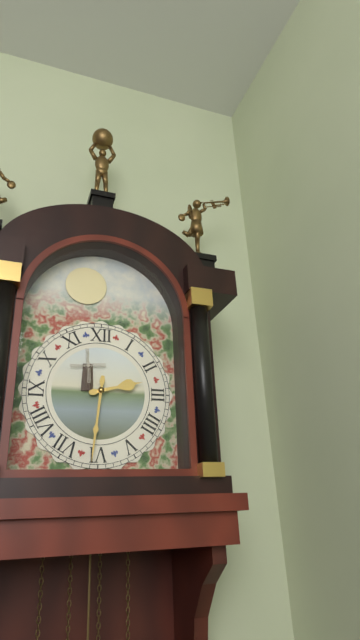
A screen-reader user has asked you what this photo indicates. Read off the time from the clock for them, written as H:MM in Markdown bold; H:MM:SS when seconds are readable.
**2:31**
